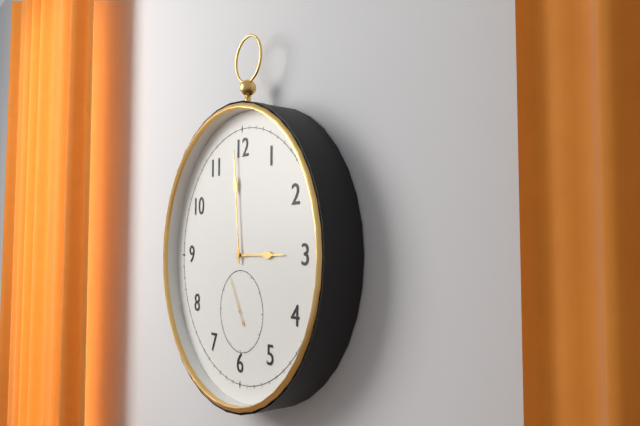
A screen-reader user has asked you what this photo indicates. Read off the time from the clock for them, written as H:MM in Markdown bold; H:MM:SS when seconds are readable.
**2:59**
